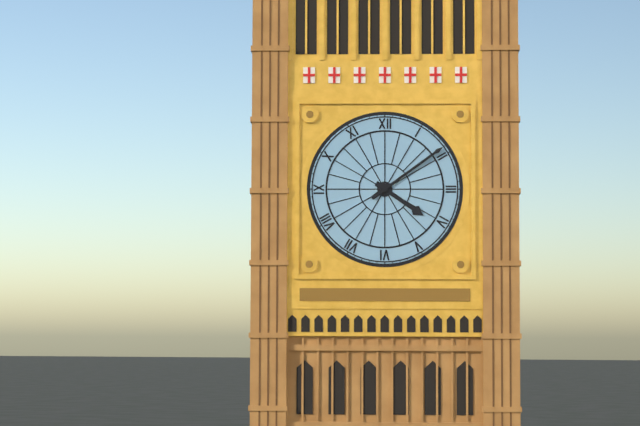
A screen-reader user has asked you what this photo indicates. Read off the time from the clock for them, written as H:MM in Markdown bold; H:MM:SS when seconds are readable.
**4:09**
